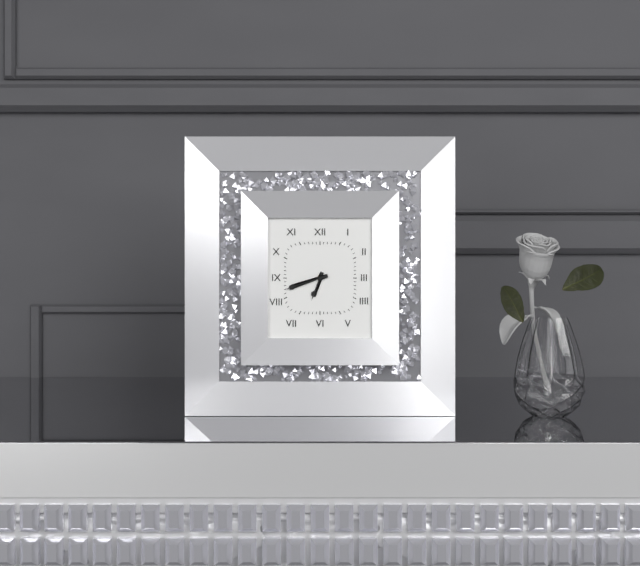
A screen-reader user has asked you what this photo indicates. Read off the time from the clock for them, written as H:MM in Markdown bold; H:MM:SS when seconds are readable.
**6:42**
